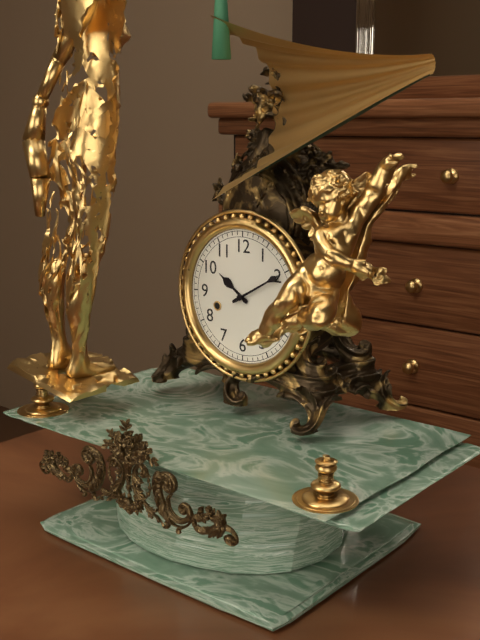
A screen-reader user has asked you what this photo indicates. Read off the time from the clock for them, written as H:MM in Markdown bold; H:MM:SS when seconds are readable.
**10:10**
